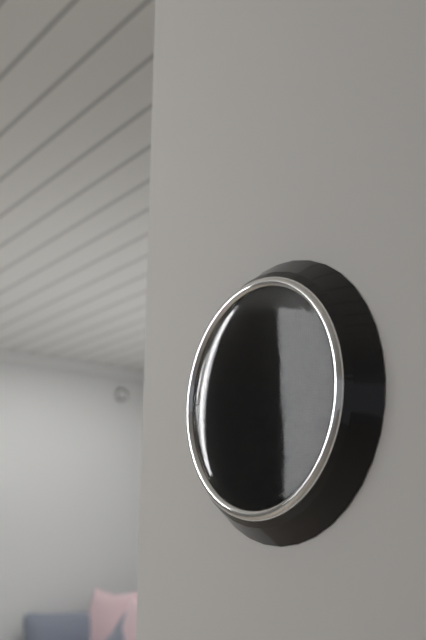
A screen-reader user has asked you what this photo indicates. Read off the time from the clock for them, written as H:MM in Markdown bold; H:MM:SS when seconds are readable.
**10:16**
